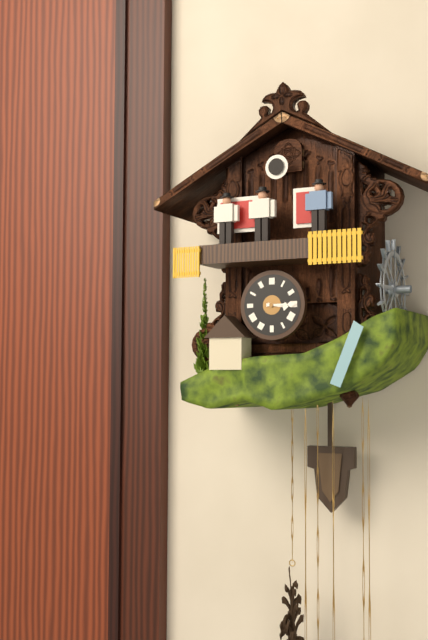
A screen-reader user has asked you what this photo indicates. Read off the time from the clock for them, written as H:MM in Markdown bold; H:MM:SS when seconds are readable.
**3:15**
